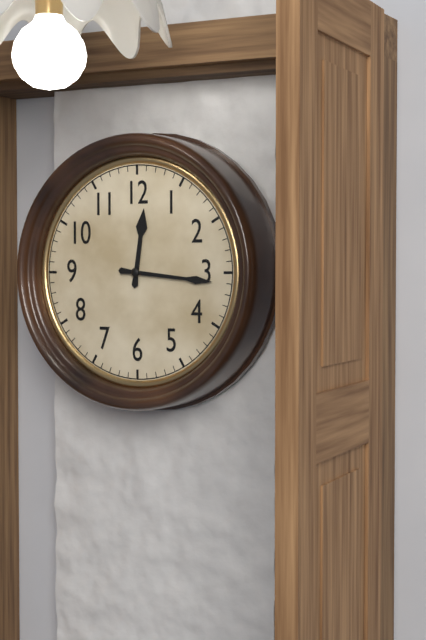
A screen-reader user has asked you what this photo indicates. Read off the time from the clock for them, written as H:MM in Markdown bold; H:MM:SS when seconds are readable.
**12:16**
